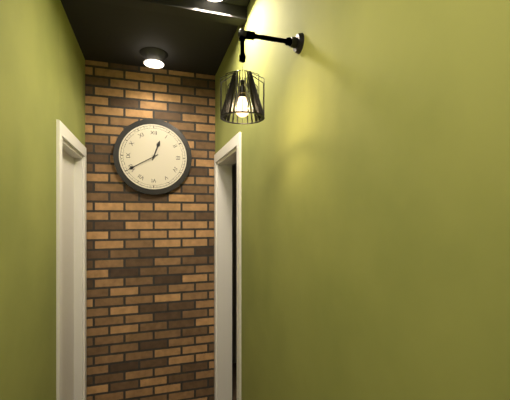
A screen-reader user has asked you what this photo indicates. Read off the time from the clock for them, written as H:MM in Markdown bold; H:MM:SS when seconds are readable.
**12:40**
